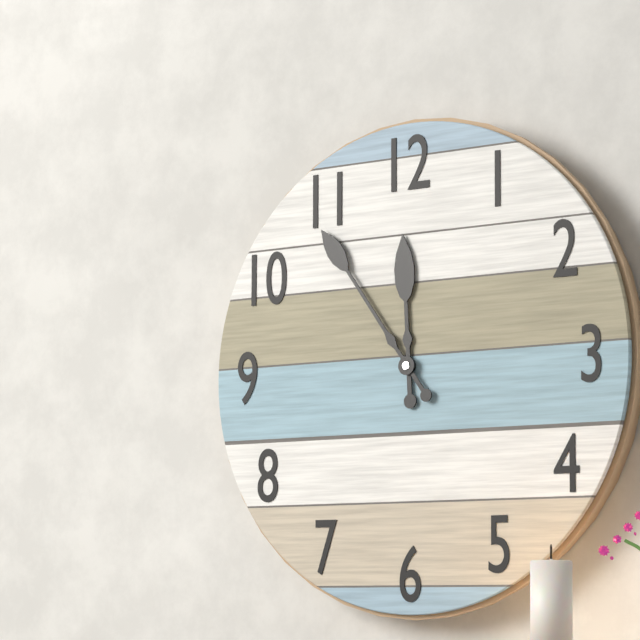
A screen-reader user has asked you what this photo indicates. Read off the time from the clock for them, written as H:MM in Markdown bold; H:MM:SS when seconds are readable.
**11:54**
